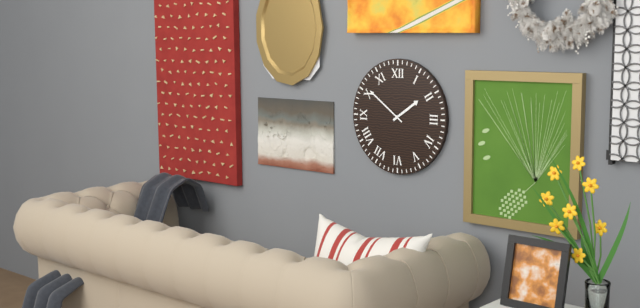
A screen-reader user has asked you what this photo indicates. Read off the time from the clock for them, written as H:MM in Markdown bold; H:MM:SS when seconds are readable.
**1:51**
